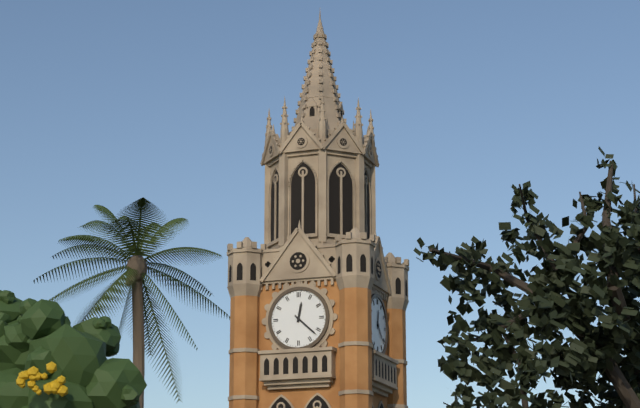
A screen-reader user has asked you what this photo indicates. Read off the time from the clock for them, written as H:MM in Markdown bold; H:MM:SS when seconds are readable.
**12:22**
